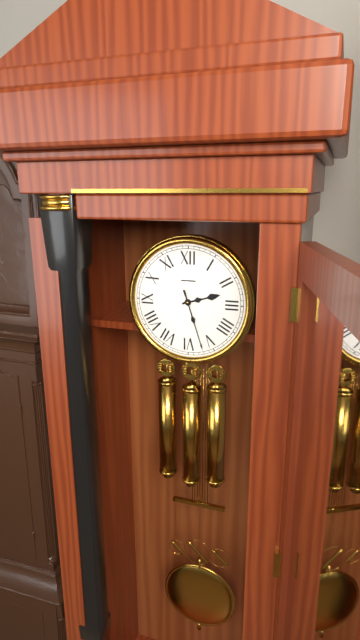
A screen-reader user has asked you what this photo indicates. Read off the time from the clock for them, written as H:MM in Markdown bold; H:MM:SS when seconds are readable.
**2:27**
